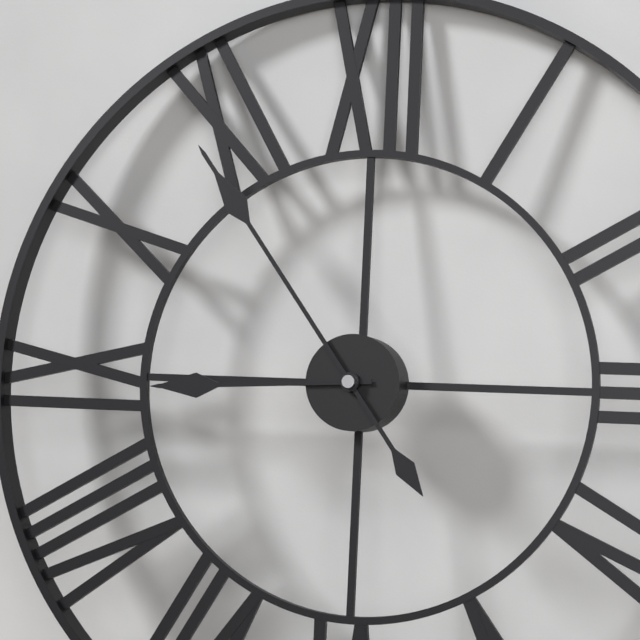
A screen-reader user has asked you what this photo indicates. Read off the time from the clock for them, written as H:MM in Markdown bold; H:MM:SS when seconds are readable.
**8:54**
